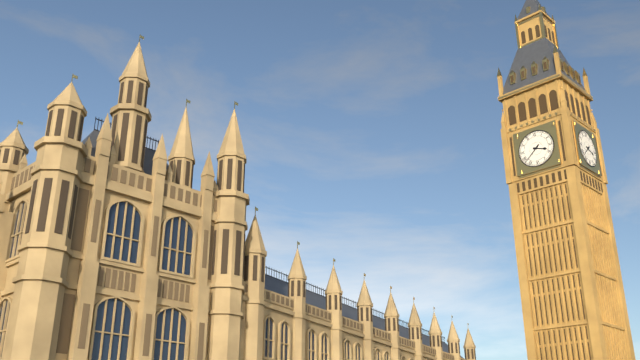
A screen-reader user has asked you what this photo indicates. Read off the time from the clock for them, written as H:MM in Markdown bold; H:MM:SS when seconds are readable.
**3:38**
